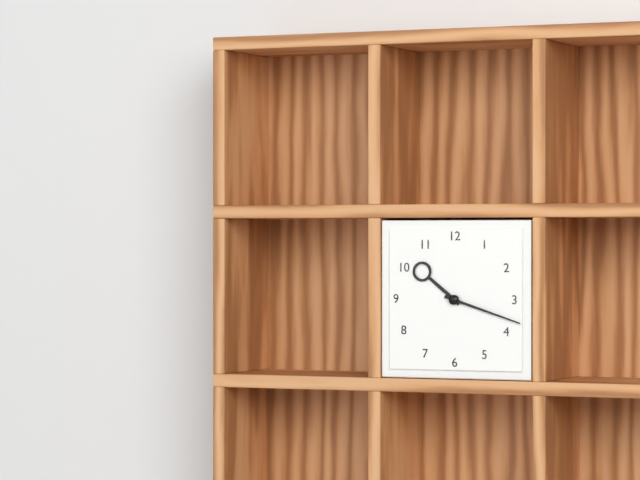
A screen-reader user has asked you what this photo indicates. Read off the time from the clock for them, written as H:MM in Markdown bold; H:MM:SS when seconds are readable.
**10:18**
